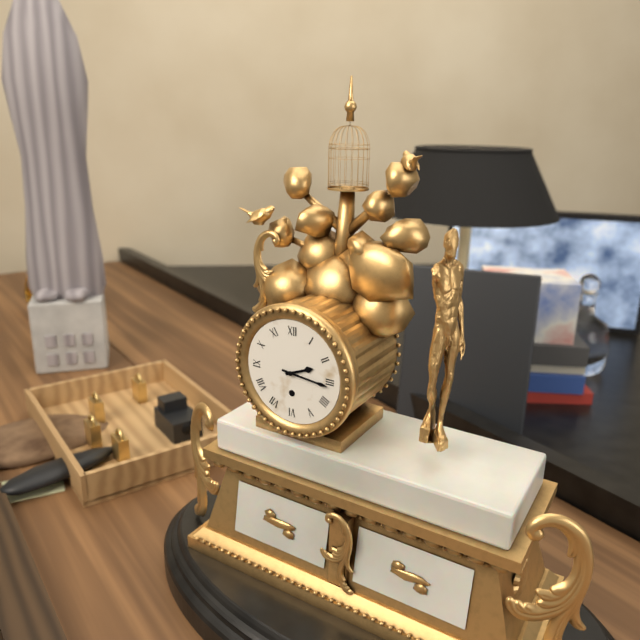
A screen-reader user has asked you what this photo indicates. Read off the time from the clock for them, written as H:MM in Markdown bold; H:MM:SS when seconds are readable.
**2:16**
